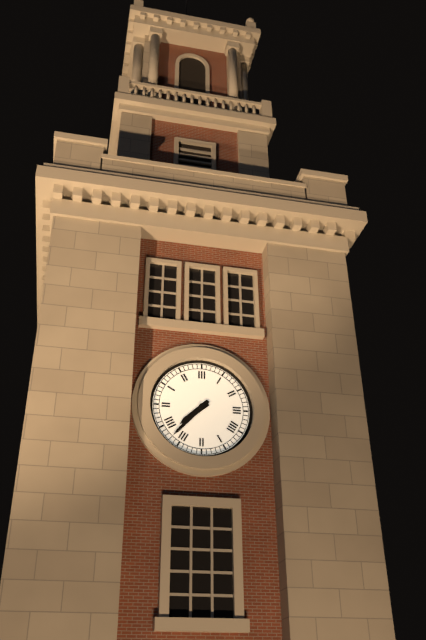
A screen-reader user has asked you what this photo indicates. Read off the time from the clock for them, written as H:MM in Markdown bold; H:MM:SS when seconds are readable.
**7:37**
